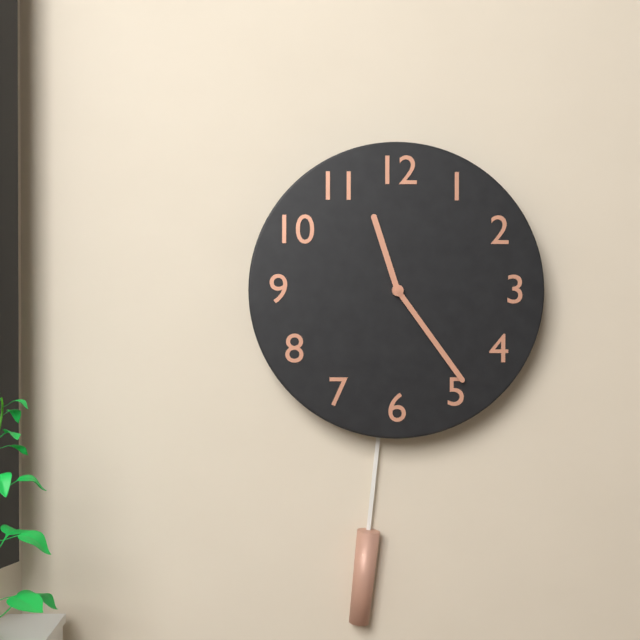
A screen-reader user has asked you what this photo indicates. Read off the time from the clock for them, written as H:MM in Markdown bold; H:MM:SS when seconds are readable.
**11:24**
